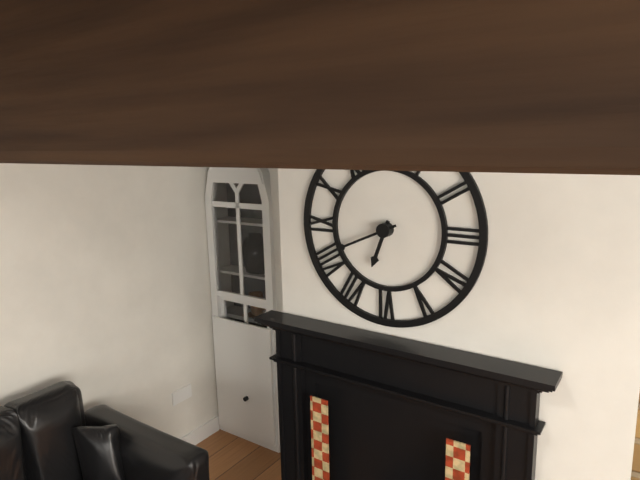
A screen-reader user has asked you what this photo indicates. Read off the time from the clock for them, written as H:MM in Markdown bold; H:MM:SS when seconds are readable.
**6:41**
